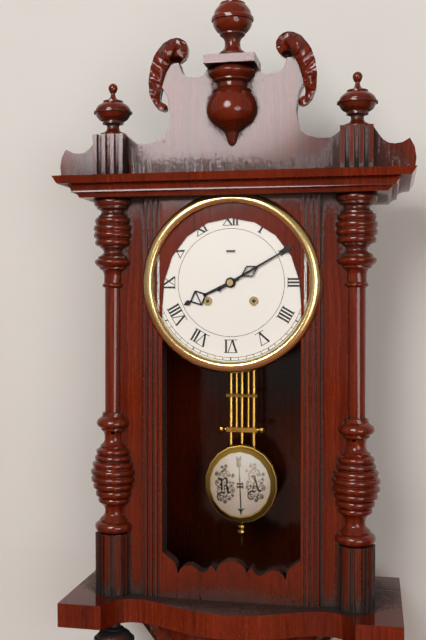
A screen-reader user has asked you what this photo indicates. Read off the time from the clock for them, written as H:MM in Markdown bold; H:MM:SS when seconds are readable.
**8:10**
